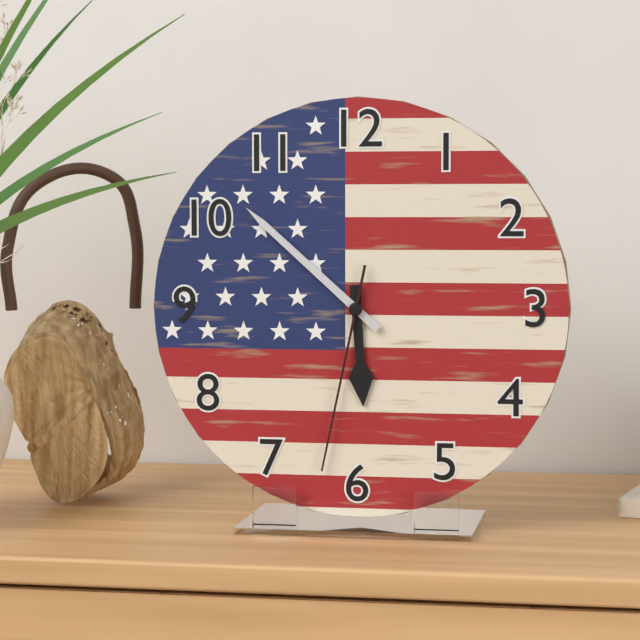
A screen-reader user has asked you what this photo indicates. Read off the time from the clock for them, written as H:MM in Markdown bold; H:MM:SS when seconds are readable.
**5:52:32**
